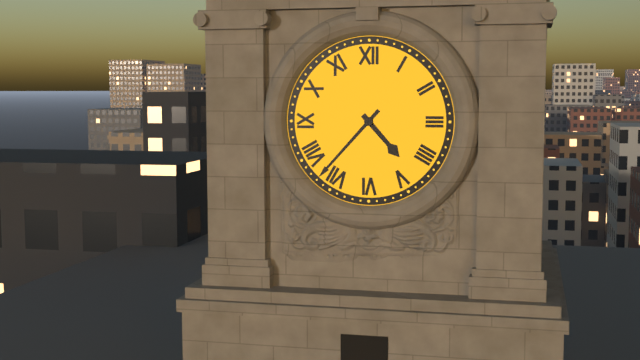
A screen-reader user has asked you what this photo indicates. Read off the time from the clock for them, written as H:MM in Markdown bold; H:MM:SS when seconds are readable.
**4:37**
